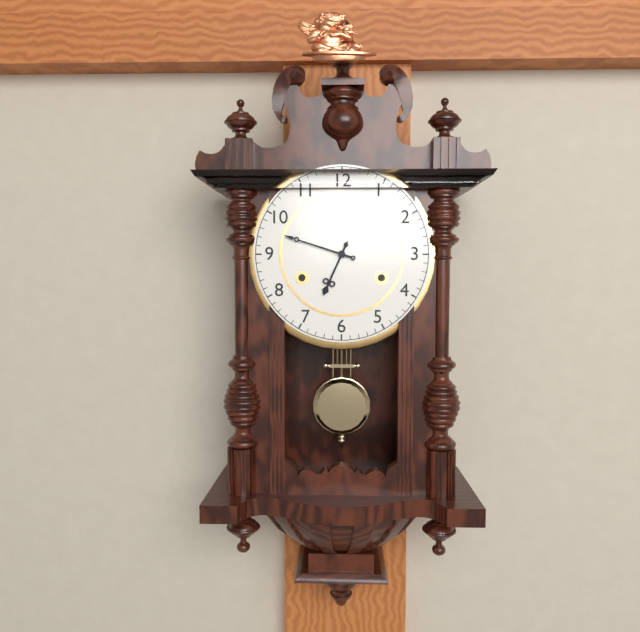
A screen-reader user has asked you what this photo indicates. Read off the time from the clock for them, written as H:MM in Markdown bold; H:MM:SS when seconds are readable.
**6:48**
